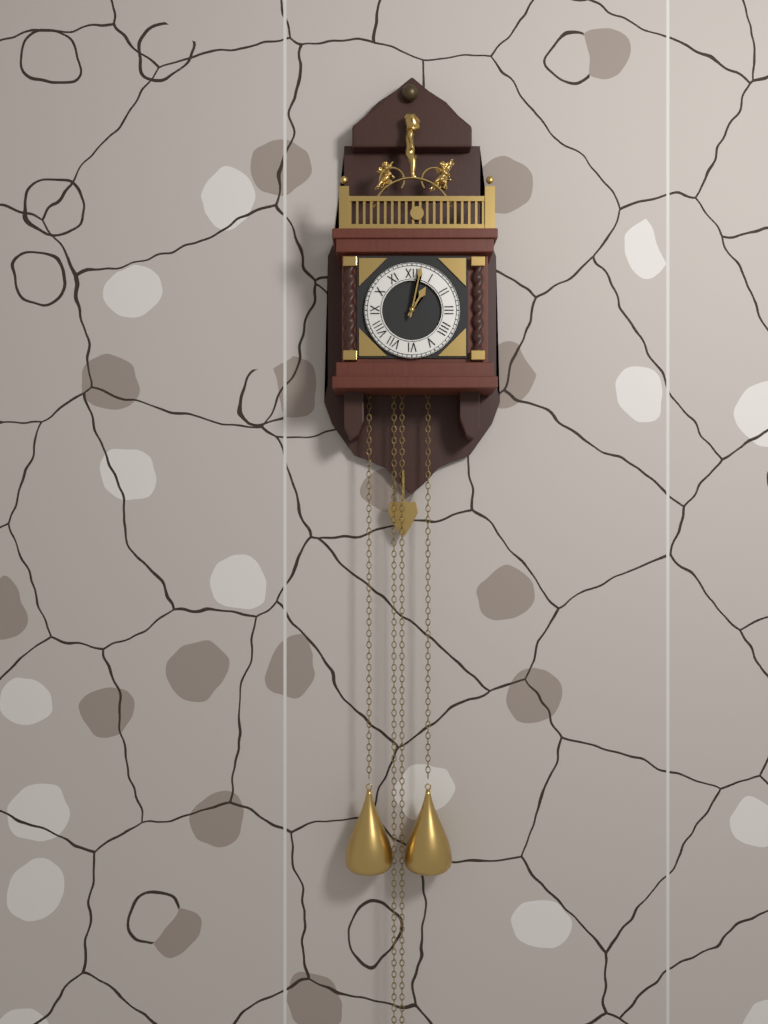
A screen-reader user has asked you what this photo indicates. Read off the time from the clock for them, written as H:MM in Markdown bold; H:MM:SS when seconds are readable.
**1:02**
